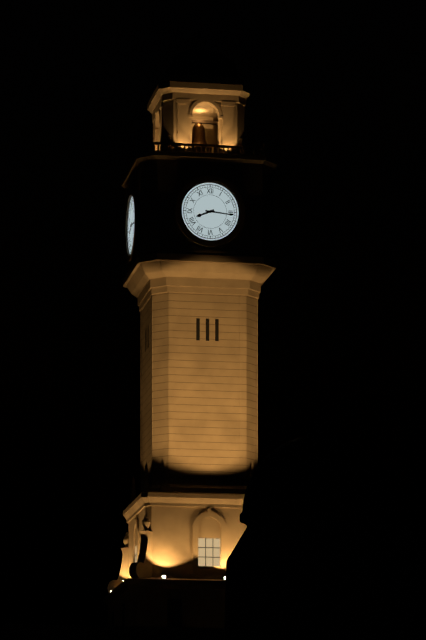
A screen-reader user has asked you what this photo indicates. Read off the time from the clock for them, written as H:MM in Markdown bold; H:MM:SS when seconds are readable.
**8:16**
